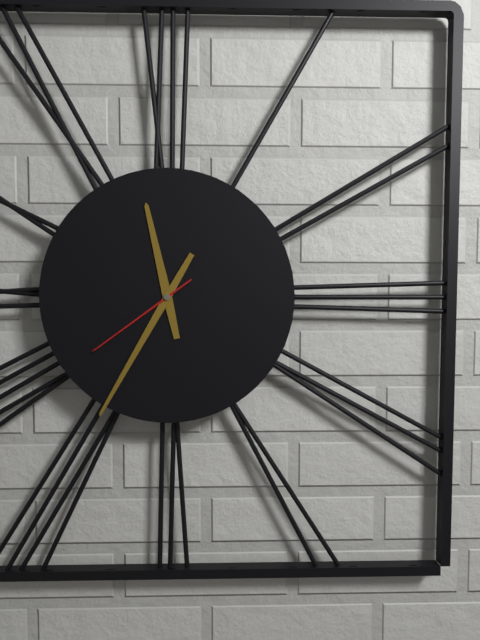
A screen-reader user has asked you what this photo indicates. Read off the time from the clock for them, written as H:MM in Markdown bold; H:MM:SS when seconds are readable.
**11:35:39**
